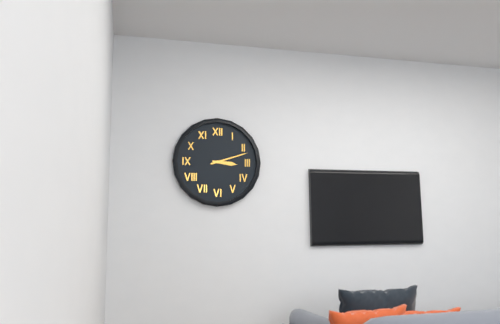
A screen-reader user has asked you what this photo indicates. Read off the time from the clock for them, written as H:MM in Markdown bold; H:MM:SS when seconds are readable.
**3:12**
